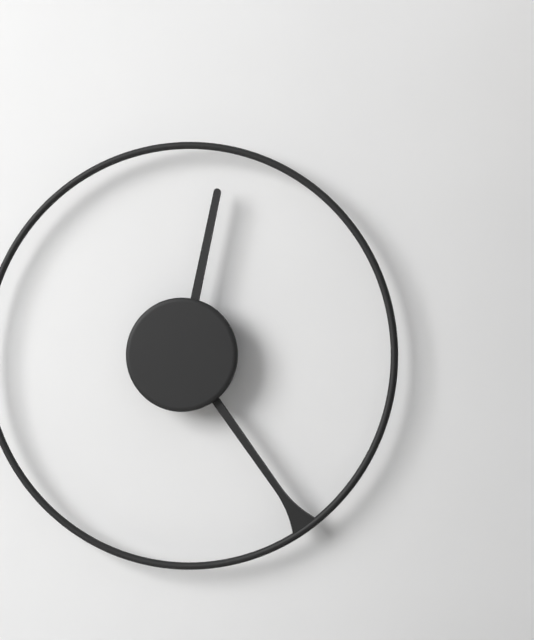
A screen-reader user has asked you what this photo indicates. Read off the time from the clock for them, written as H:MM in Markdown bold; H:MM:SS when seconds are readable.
**12:24**
